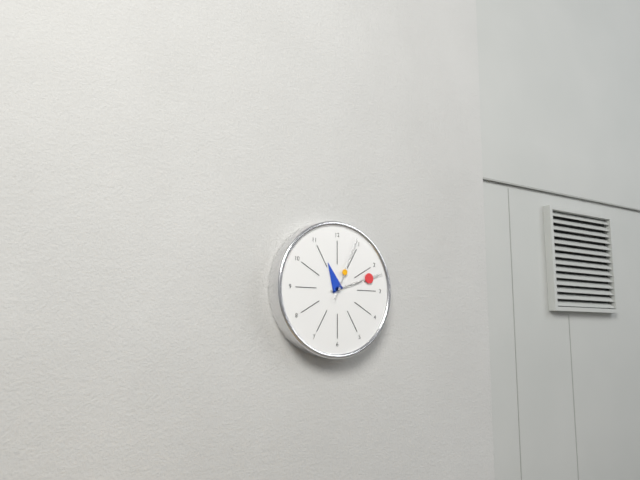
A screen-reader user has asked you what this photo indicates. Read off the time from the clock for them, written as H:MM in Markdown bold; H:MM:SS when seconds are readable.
**11:12:04**
